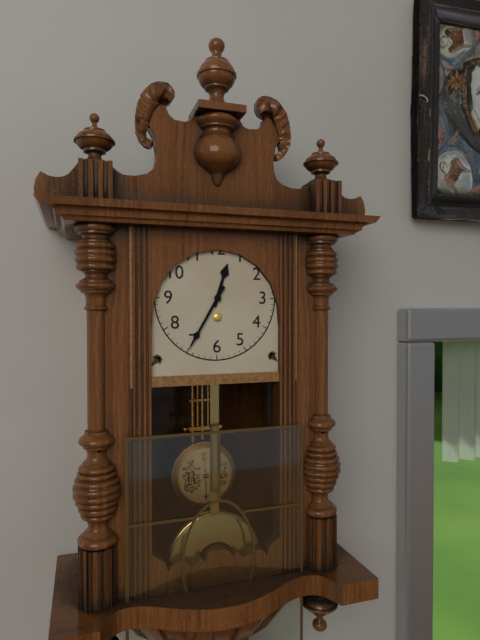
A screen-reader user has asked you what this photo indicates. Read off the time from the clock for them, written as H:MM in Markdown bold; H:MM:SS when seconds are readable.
**12:35**
